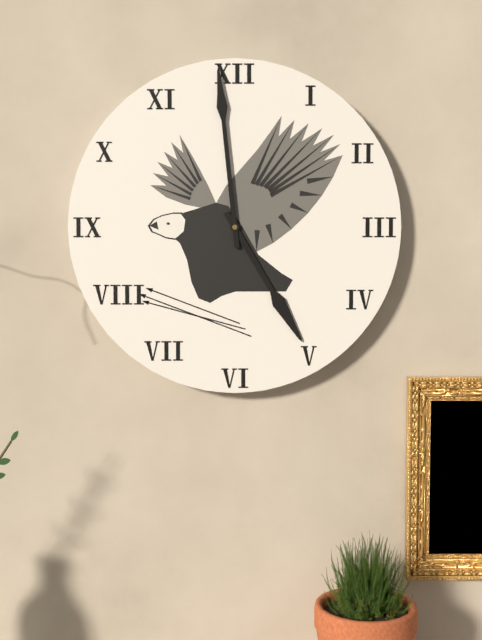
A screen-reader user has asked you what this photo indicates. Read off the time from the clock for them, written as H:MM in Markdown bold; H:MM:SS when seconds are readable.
**4:59**
